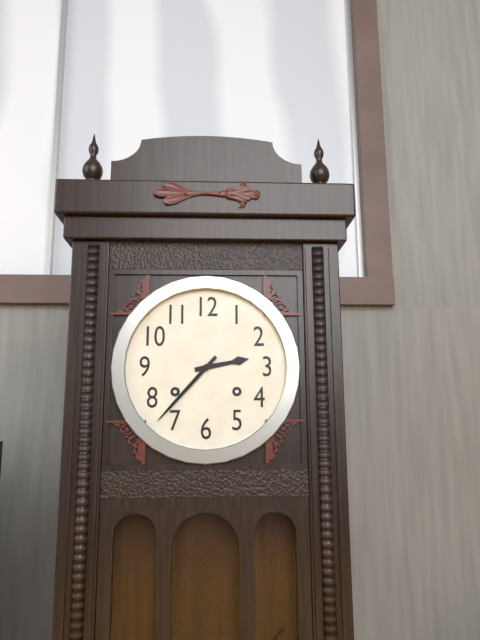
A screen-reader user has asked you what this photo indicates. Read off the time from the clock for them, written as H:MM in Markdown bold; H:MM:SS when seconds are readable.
**2:37**
